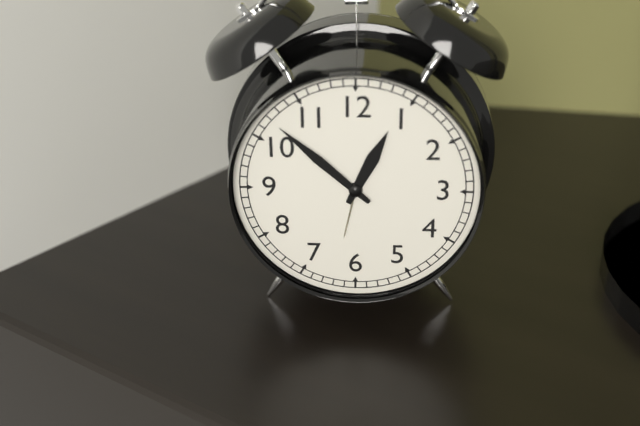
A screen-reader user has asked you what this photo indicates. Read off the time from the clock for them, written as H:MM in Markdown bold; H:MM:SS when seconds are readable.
**12:52**
